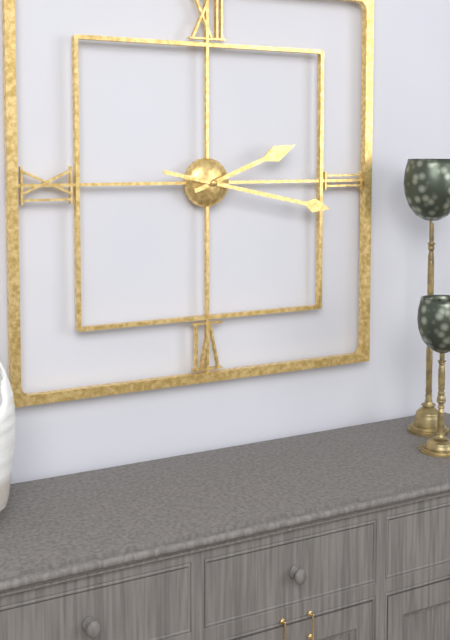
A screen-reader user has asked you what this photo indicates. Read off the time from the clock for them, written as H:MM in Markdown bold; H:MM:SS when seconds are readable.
**2:17**
